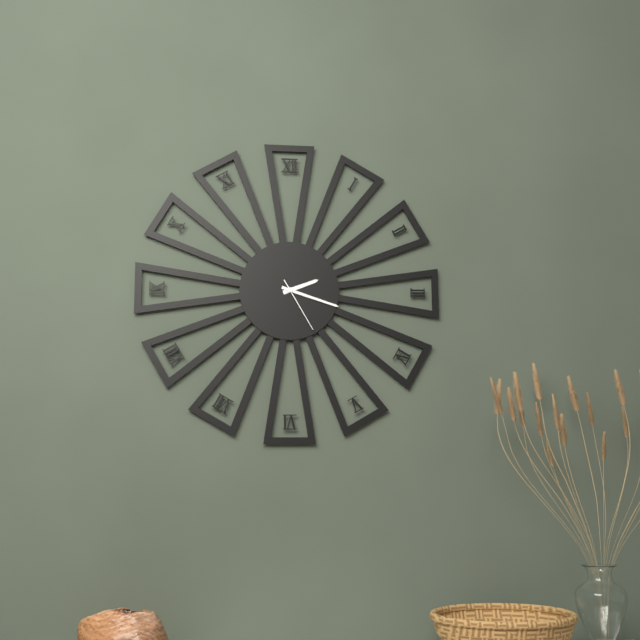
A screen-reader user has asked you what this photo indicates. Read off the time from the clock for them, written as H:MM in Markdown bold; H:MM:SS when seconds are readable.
**2:18:25**
